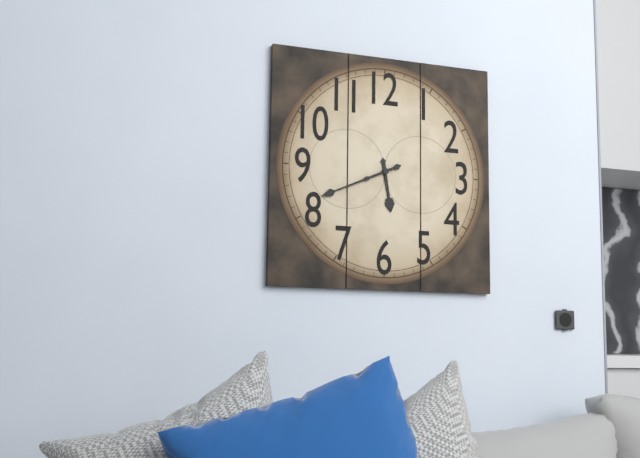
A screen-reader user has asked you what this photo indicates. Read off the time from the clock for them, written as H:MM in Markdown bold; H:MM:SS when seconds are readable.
**5:41**
